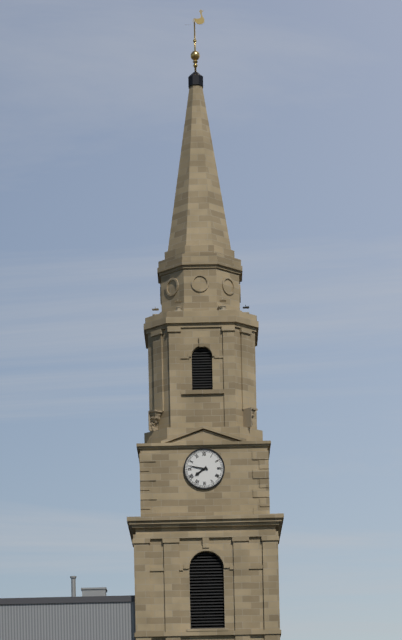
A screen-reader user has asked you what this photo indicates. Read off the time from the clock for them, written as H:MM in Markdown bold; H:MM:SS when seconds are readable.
**7:47**
